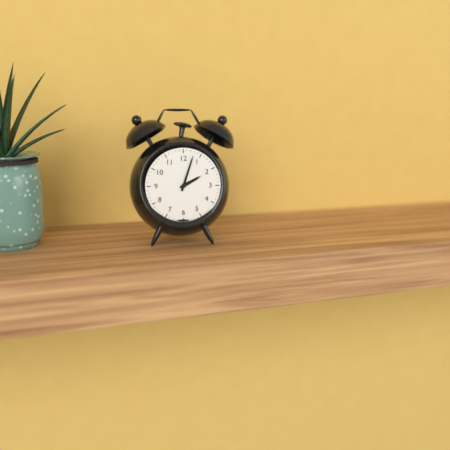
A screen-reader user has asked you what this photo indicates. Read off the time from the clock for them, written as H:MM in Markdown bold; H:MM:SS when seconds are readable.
**2:03**
